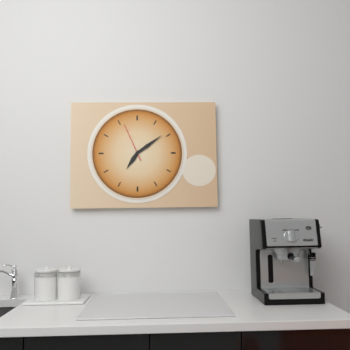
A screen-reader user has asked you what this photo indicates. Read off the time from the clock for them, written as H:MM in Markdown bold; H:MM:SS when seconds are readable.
**7:09**
